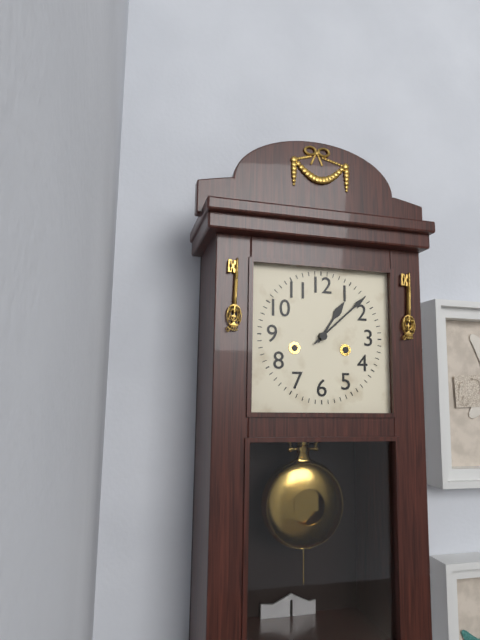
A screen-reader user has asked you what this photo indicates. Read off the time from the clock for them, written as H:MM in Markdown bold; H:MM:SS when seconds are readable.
**1:08**
